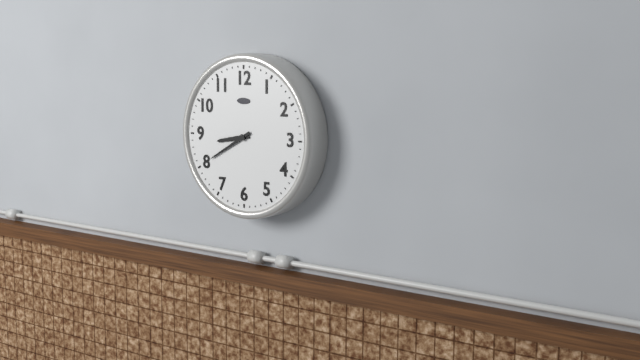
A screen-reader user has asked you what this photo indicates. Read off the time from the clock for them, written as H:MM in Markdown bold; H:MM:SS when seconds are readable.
**8:40**
